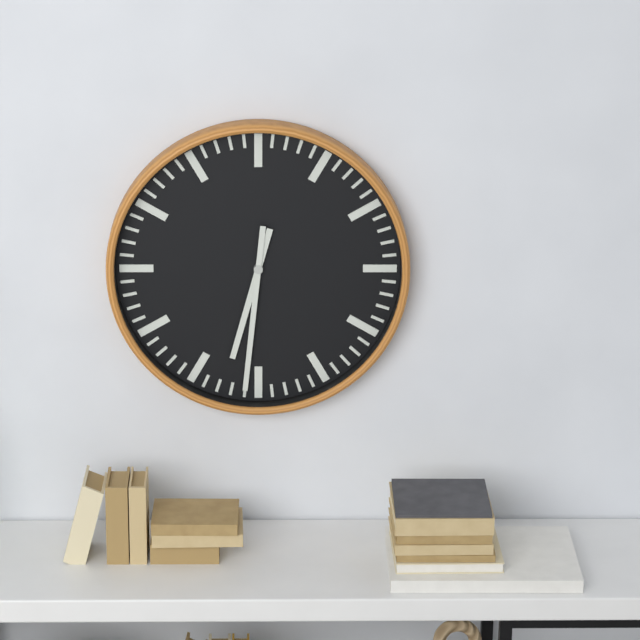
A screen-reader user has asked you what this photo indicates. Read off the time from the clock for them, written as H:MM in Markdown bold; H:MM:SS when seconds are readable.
**6:31**
